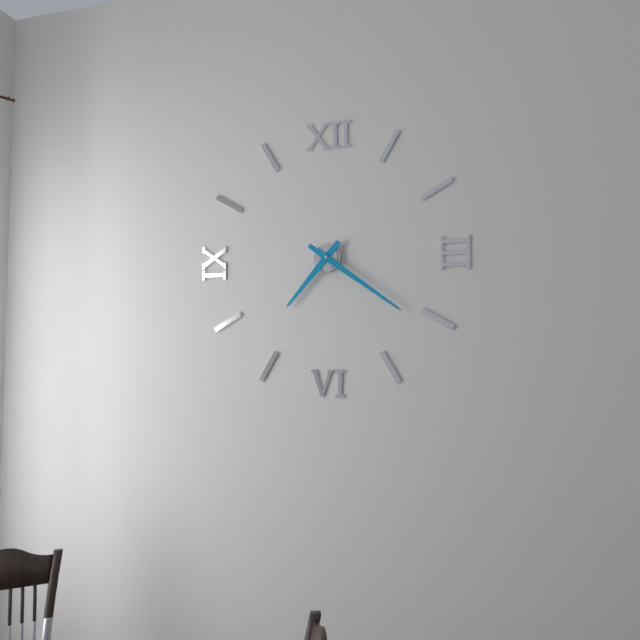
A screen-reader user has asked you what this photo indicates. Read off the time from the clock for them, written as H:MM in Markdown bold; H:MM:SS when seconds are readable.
**7:21**
